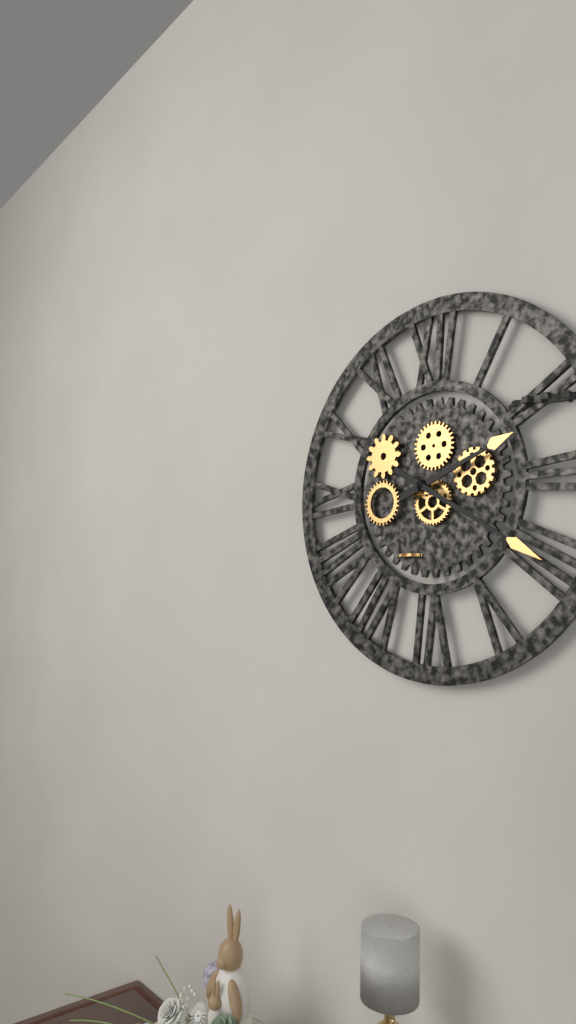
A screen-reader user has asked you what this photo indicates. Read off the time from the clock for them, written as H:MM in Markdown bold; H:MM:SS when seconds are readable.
**2:20**
